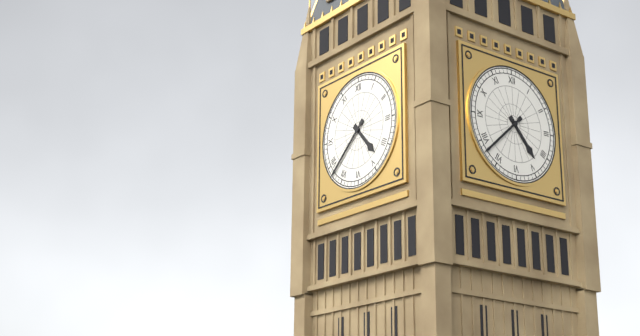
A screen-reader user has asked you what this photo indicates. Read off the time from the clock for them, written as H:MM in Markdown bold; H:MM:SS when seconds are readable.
**4:38**
